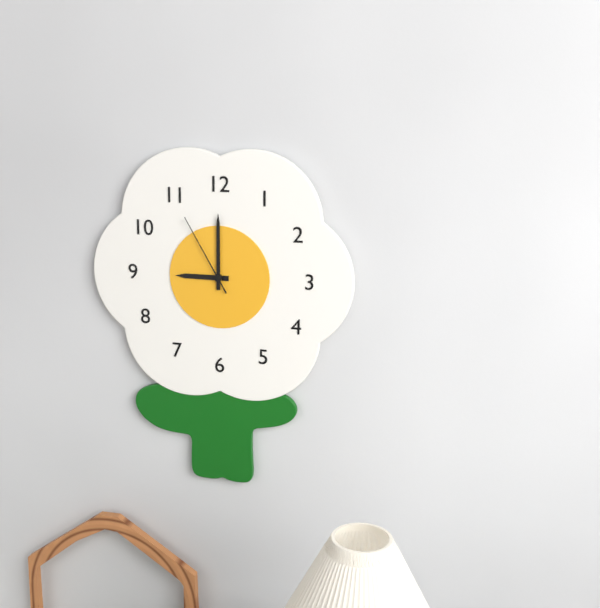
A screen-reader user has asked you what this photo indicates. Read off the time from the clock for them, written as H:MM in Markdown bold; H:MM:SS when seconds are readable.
**9:00:55**
